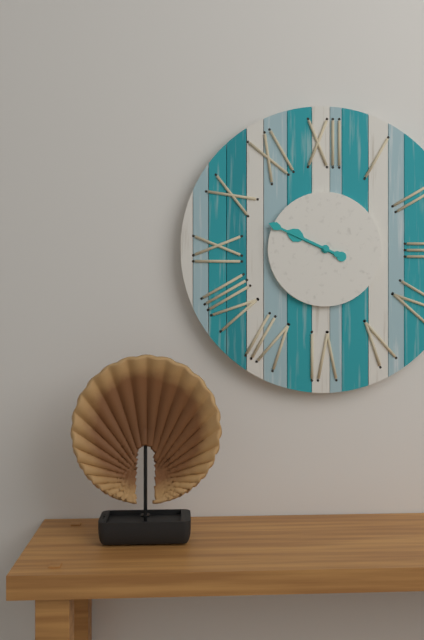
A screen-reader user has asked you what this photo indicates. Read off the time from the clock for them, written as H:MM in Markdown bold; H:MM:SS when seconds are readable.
**9:49**
